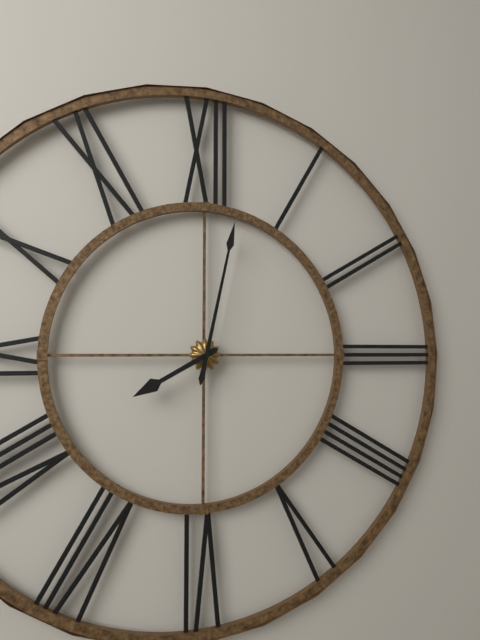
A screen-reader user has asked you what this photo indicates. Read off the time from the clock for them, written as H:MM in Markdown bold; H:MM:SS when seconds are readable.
**8:02**
